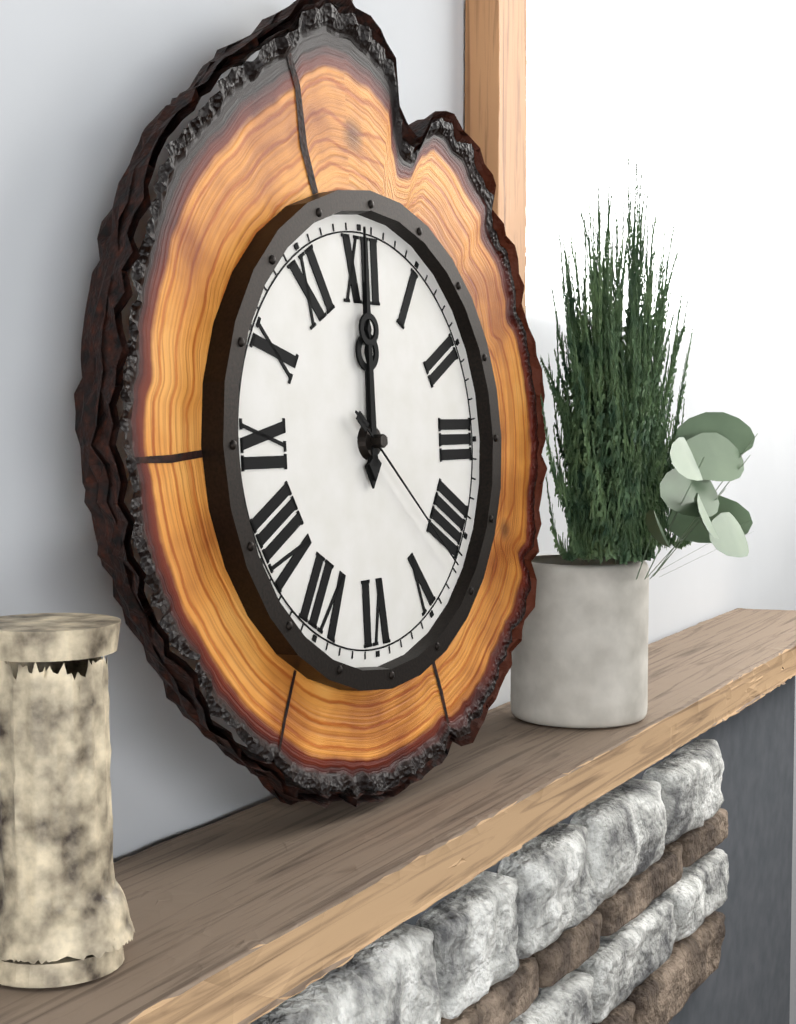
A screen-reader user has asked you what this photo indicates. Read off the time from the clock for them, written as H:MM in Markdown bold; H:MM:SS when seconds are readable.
**12:00:22**
